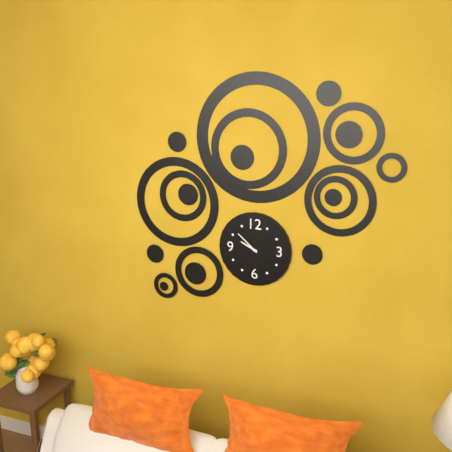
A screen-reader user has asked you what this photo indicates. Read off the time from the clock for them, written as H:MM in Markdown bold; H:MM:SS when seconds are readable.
**9:52**
